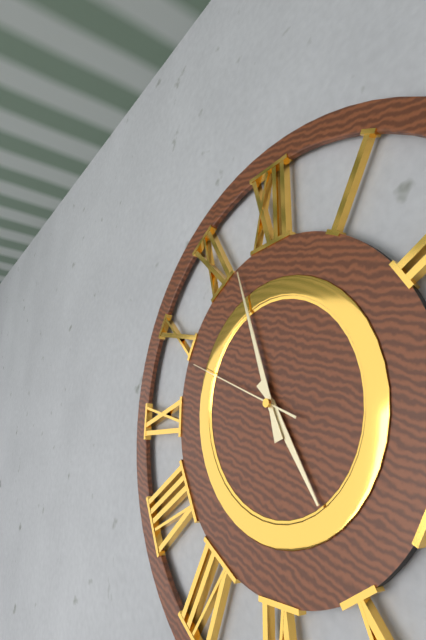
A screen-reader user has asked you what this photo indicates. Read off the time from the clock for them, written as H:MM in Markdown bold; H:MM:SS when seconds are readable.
**4:57:49**
